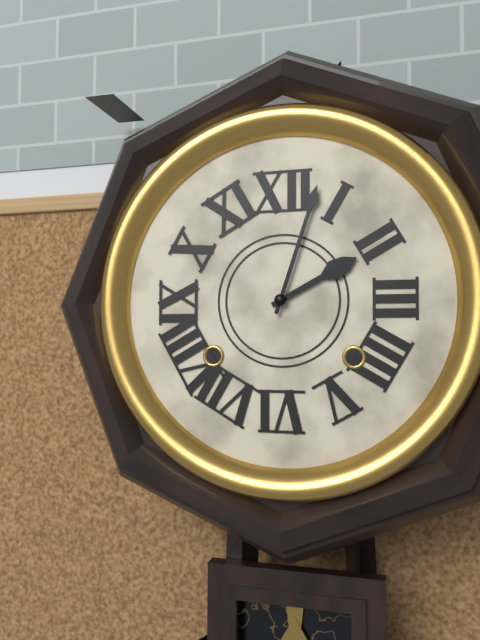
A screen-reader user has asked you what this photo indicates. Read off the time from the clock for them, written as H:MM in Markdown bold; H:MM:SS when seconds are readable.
**2:03**
